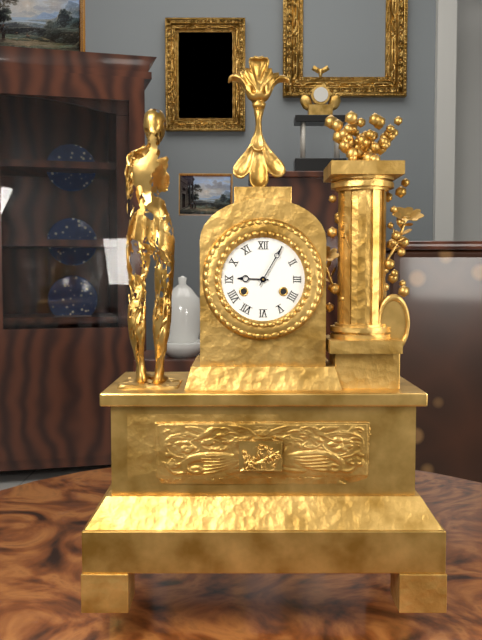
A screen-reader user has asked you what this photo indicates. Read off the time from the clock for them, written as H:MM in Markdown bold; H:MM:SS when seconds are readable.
**9:05**
